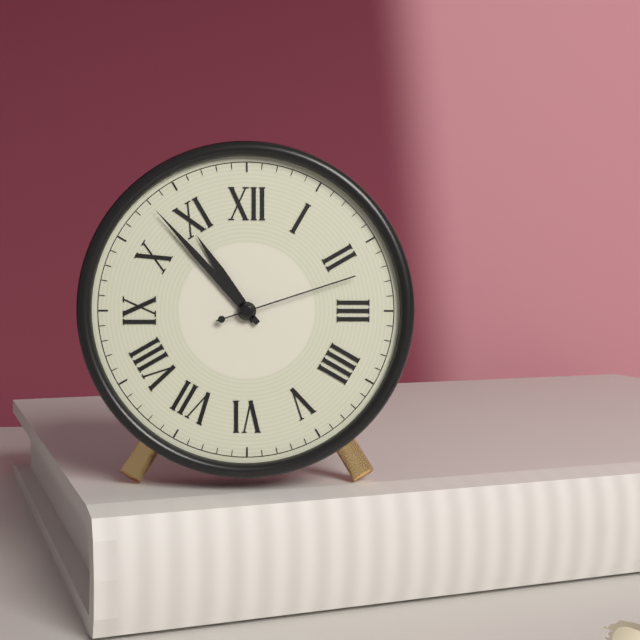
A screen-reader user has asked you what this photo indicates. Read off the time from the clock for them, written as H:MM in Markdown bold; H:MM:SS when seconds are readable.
**10:53:12**
